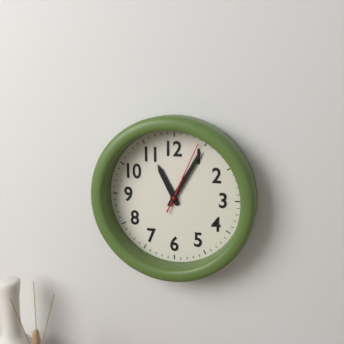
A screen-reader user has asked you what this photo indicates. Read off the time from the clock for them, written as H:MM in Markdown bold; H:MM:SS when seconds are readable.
**11:05:04**
